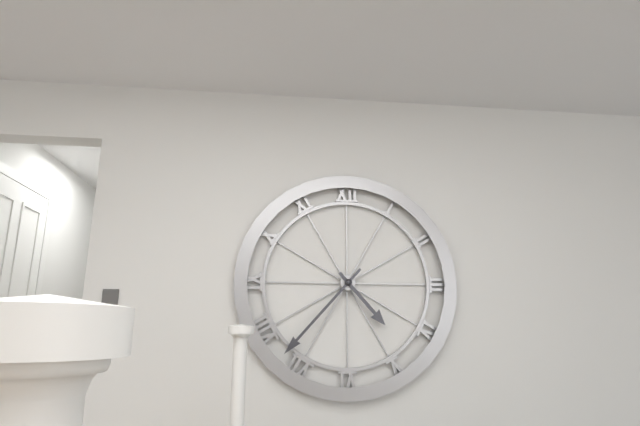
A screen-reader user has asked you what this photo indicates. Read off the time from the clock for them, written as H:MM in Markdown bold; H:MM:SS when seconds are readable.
**4:37**
